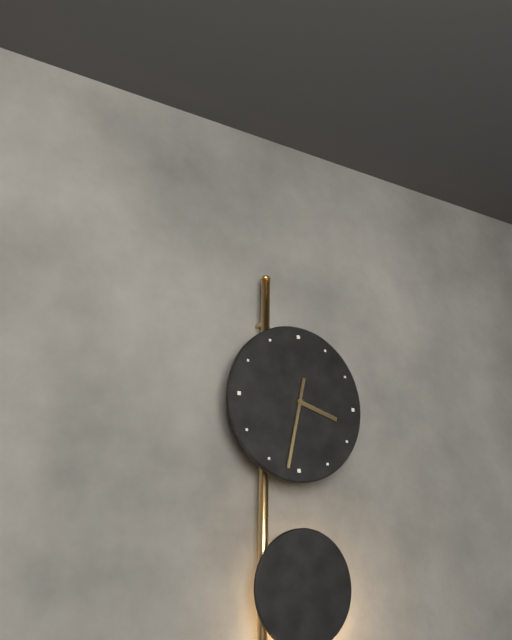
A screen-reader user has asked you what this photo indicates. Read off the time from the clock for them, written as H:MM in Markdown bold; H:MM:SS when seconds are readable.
**3:32**
